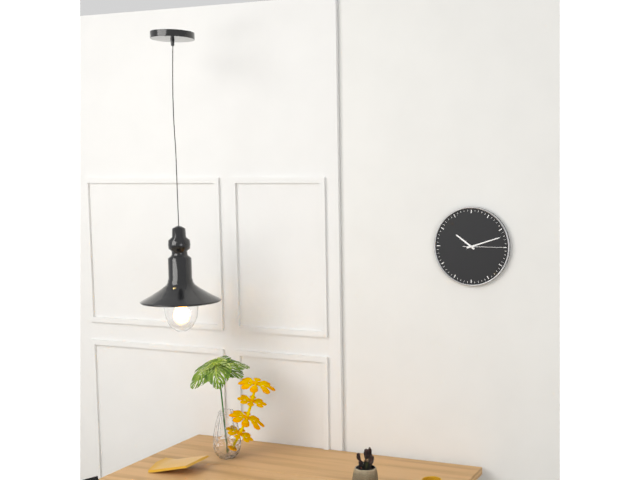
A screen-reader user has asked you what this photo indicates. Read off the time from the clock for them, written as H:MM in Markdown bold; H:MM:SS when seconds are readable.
**10:12**
